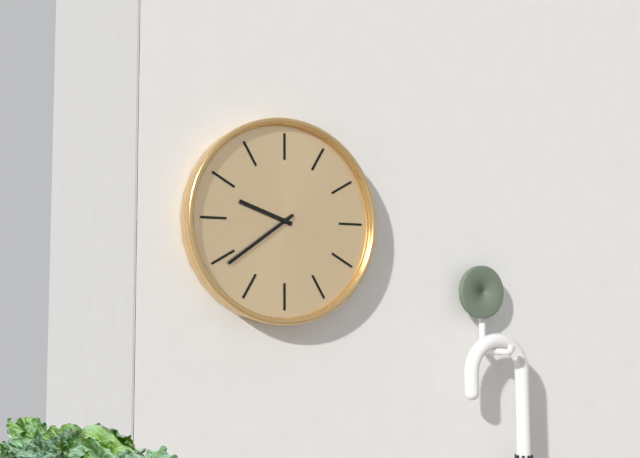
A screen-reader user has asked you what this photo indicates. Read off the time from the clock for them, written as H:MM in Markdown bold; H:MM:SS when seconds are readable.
**9:39**
